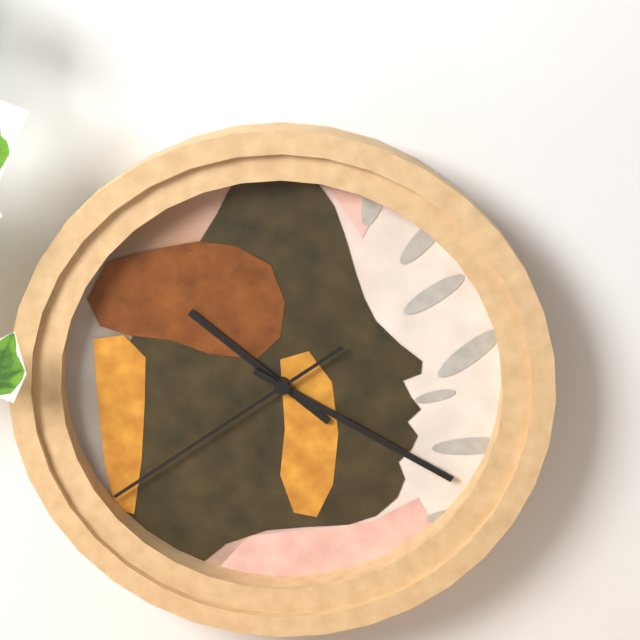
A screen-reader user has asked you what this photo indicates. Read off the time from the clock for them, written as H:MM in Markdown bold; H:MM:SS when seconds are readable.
**10:20:39**
